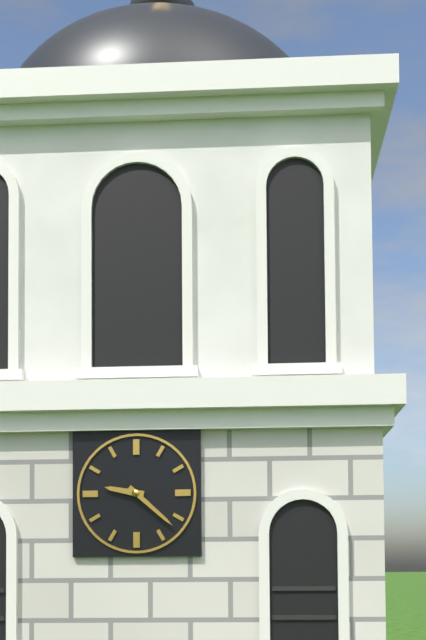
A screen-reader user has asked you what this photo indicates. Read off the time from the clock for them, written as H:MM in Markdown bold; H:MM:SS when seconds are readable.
**9:22**
